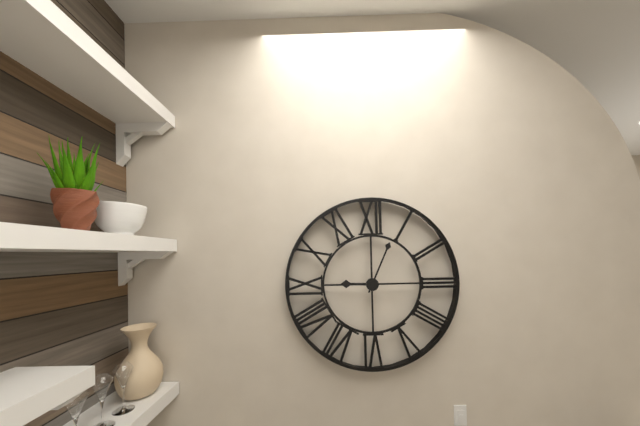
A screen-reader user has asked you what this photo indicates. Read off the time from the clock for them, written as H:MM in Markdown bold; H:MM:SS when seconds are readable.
**9:04**
